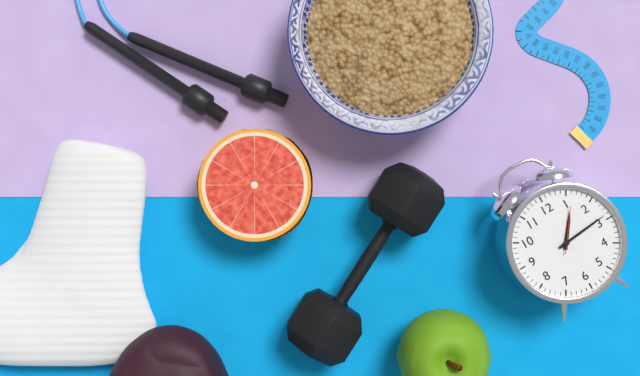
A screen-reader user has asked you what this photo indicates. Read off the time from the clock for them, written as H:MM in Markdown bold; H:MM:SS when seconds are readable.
**1:14**
